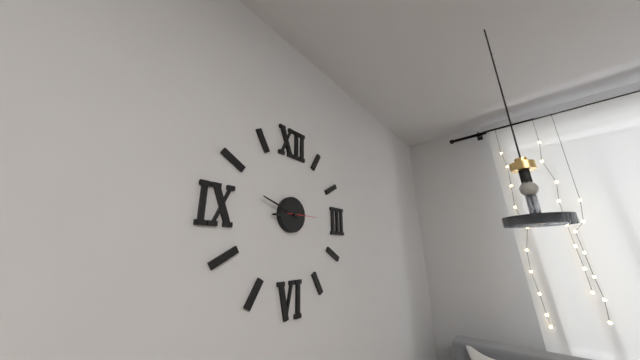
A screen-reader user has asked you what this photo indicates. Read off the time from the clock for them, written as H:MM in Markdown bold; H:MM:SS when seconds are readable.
**8:48**
